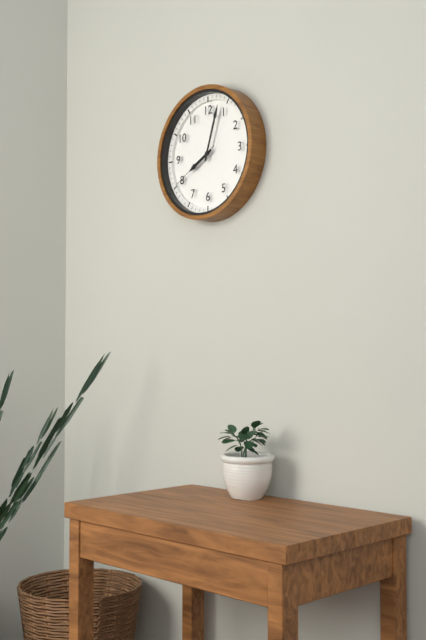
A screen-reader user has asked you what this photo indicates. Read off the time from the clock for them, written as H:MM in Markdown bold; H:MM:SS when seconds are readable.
**8:03:40**
